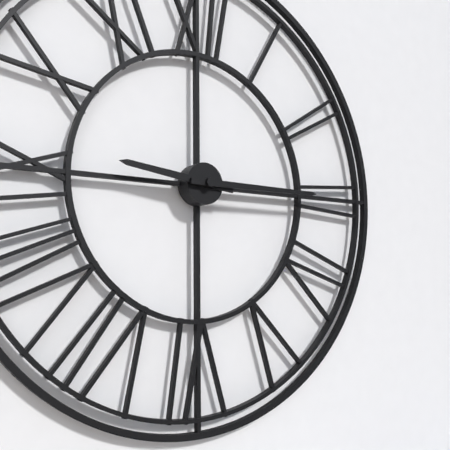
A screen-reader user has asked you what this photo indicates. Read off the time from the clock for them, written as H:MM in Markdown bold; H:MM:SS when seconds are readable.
**9:15**
